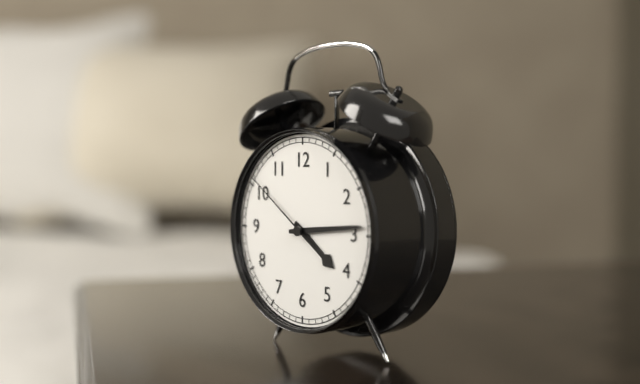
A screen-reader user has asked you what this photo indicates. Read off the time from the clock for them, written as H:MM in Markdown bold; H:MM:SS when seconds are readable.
**4:14:51**
